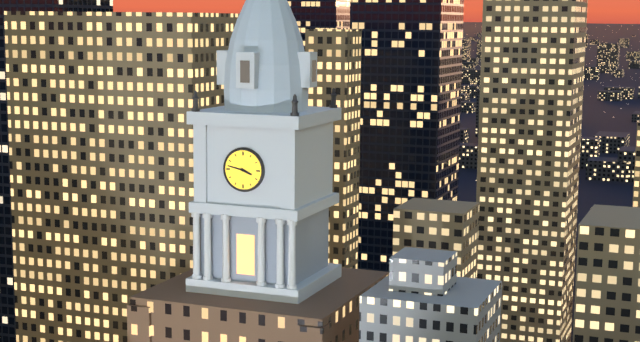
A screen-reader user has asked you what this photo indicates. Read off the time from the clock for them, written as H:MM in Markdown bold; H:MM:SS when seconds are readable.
**3:47**
